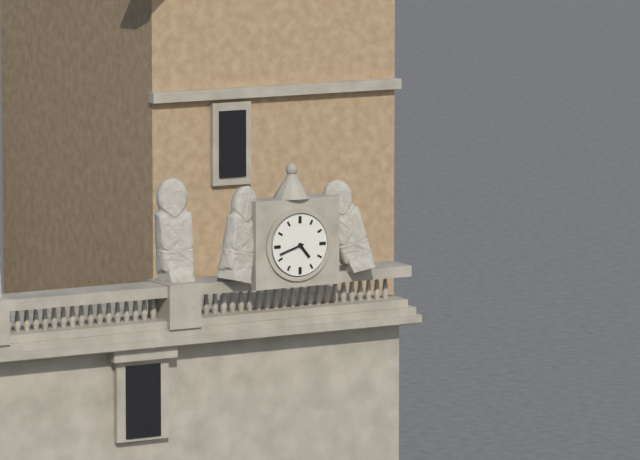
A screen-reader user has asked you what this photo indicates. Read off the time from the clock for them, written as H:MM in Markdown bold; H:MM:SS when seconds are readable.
**4:42**
